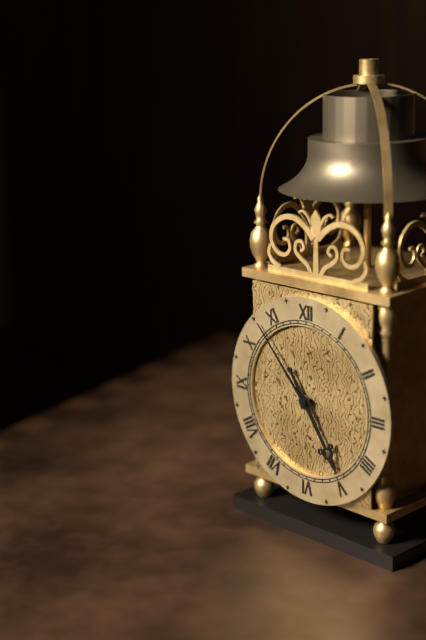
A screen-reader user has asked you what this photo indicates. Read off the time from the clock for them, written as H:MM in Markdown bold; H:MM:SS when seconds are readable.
**4:53**
